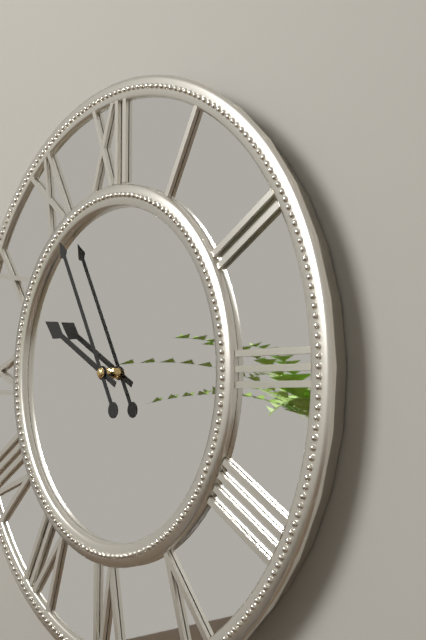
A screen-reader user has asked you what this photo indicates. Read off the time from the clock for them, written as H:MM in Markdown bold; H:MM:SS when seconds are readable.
**9:55**
